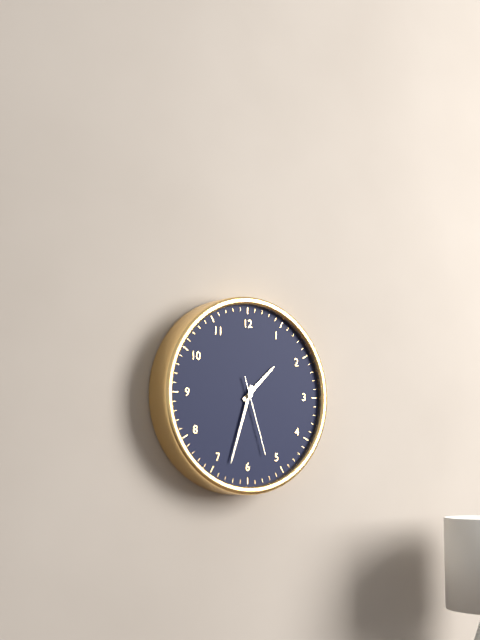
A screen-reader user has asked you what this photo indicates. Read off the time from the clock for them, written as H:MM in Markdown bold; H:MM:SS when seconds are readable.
**1:33:27**
